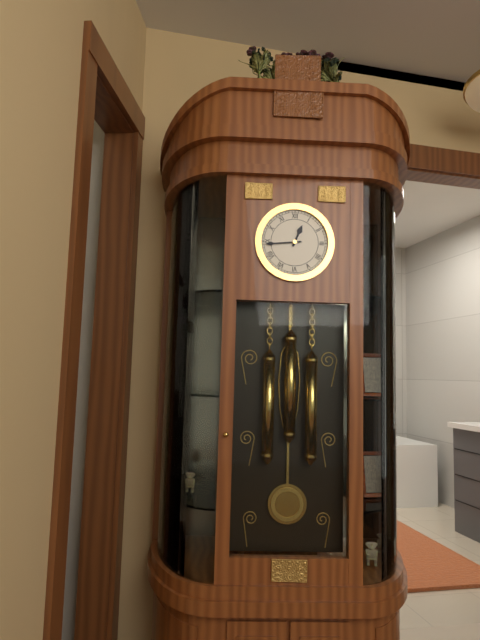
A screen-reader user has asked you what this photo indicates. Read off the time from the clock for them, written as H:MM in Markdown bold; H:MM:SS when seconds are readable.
**12:44**
